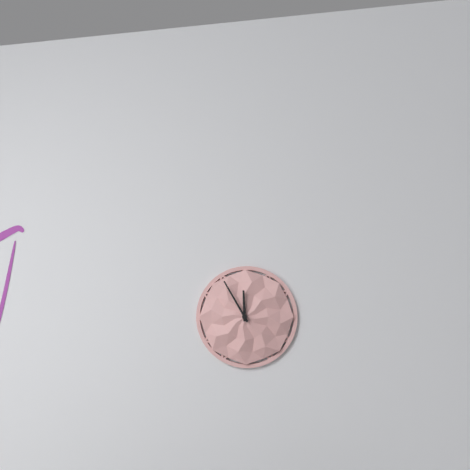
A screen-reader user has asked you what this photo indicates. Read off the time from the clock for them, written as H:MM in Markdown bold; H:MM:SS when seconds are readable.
**11:55**
